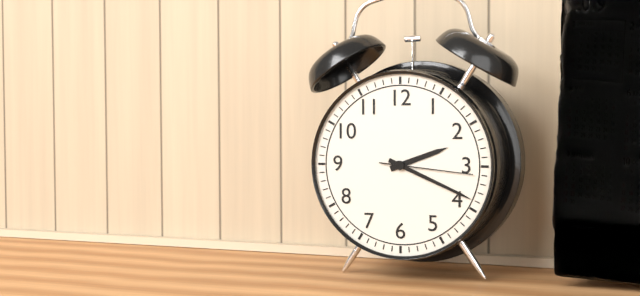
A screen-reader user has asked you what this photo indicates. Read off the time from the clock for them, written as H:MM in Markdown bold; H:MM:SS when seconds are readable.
**2:19:16**
